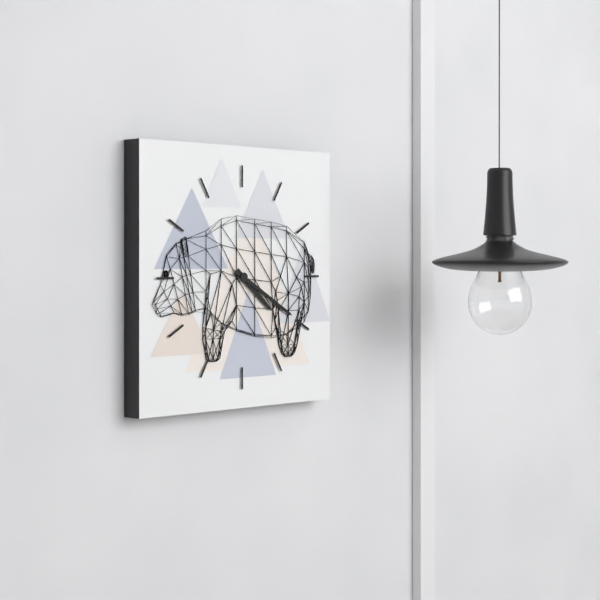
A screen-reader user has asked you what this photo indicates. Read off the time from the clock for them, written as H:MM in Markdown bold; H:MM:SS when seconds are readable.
**4:20**
